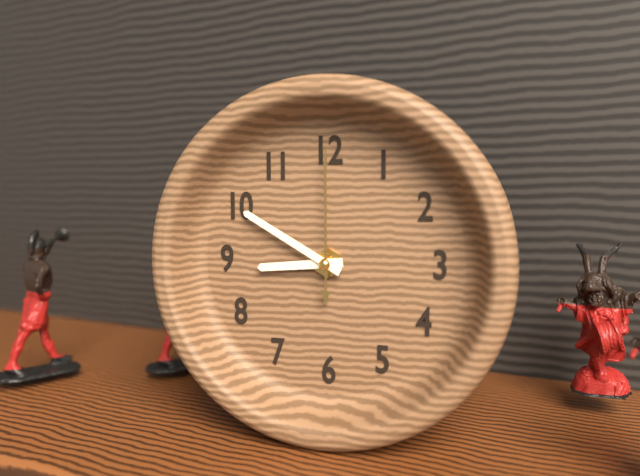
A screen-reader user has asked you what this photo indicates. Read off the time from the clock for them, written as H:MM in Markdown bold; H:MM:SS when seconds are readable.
**8:50:00**
